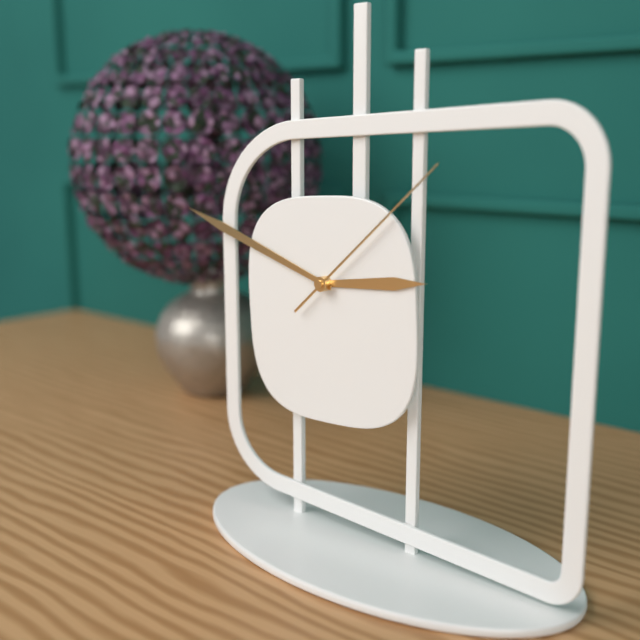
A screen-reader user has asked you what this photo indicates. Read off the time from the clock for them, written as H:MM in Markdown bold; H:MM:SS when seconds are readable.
**2:48:08**
